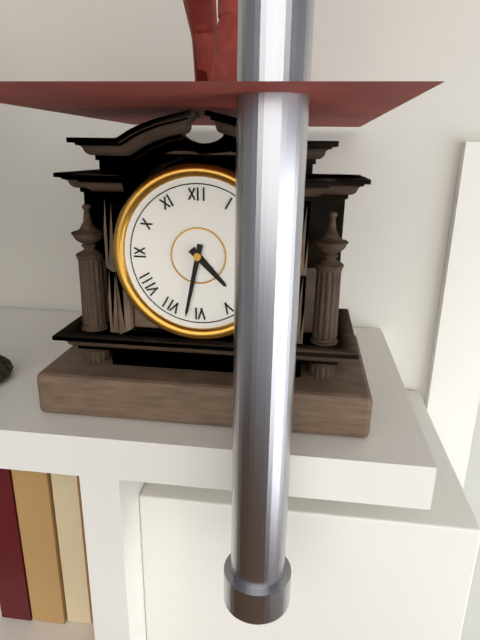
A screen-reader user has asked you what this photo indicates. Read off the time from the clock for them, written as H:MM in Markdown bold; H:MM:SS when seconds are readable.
**4:32**
